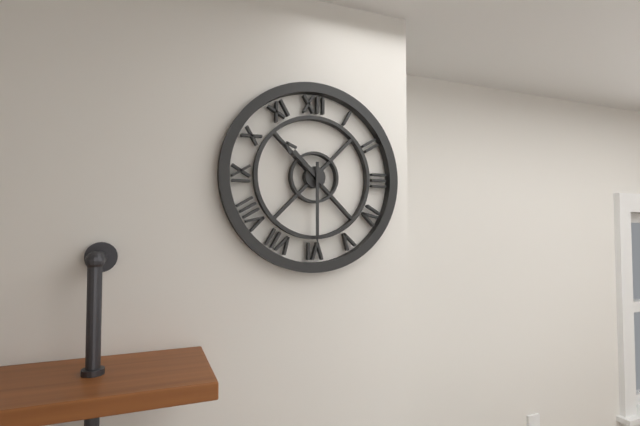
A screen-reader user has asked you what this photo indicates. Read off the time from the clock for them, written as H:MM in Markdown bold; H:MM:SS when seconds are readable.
**10:30**
